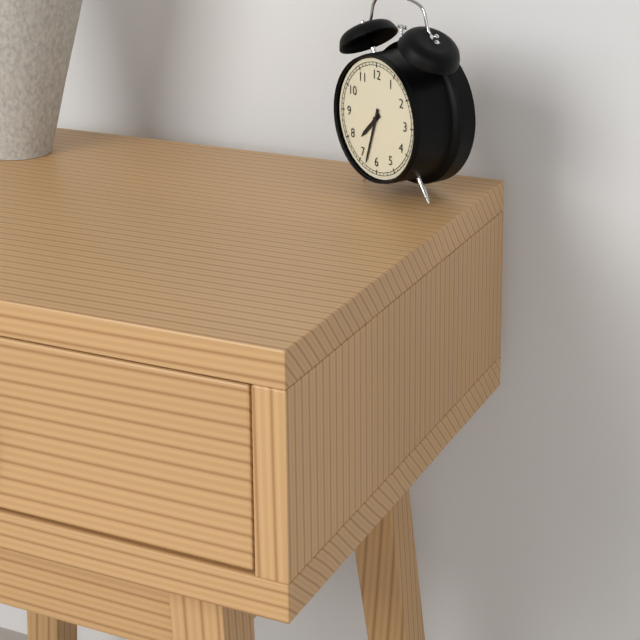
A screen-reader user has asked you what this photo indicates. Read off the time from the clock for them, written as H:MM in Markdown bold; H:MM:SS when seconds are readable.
**7:33**
